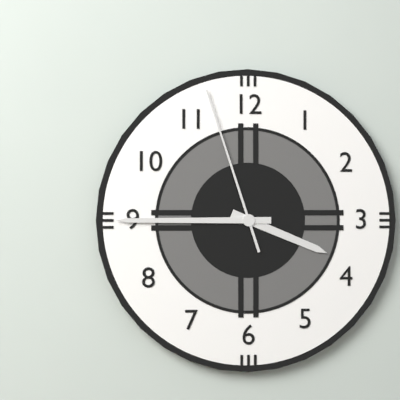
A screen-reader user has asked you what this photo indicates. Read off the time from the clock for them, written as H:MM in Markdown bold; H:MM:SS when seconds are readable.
**3:45:57**
